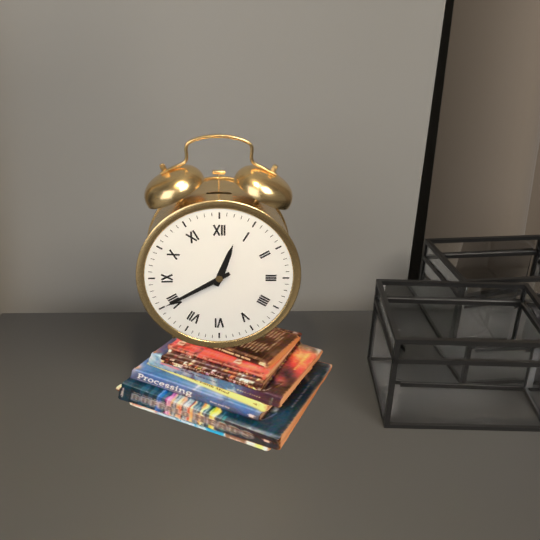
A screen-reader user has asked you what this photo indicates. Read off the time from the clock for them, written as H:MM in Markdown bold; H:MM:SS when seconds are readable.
**12:40**
